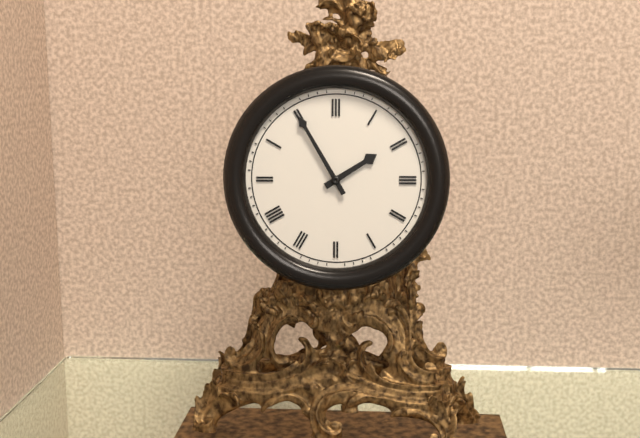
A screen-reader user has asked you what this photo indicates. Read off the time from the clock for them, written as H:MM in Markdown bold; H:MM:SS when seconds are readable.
**1:55**
